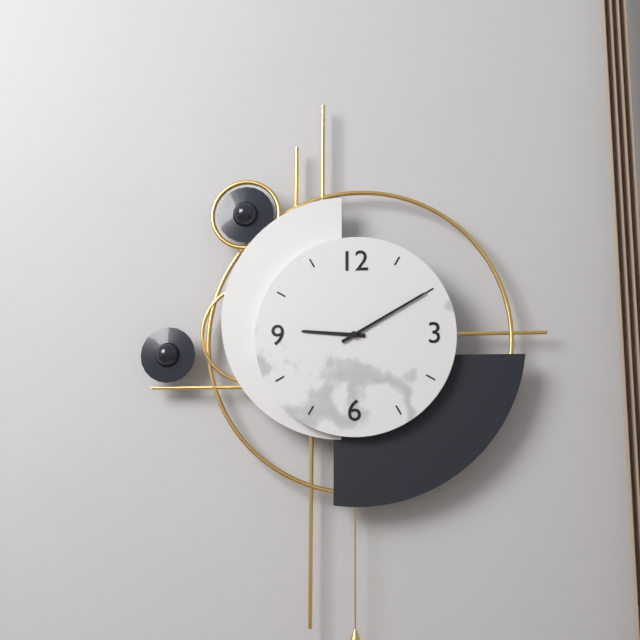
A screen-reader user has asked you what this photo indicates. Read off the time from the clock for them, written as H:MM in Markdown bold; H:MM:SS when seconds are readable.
**9:10**
